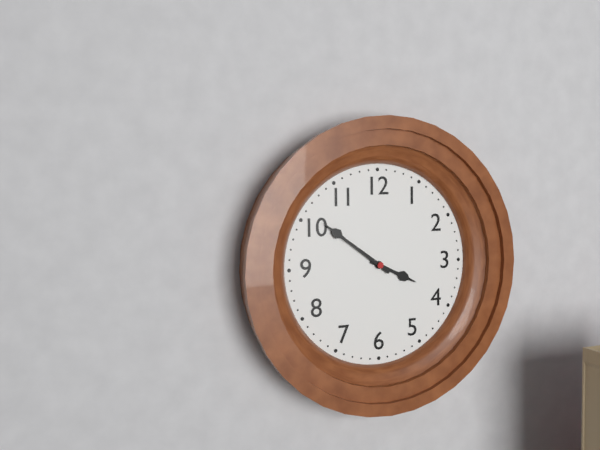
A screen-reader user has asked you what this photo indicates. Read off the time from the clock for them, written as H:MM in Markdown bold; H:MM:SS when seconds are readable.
**3:51**
